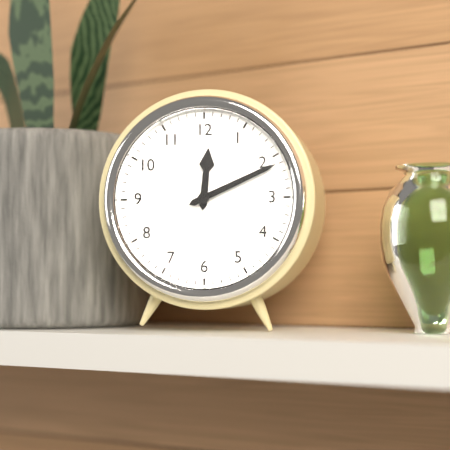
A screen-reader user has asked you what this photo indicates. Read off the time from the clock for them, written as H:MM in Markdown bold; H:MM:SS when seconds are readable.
**12:11**
